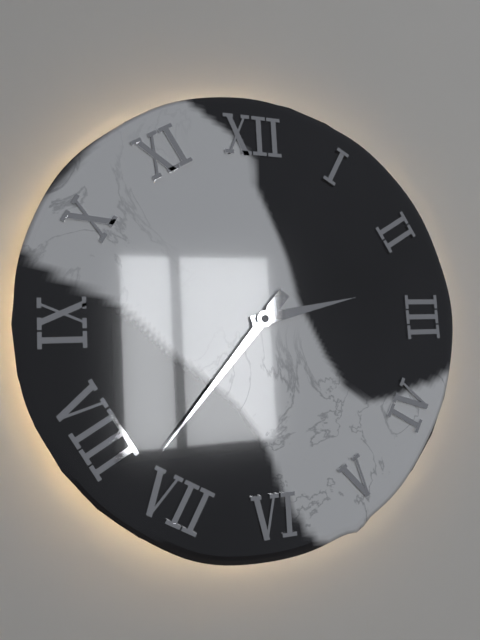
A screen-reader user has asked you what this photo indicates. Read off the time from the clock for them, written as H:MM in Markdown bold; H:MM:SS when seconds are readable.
**2:37**
